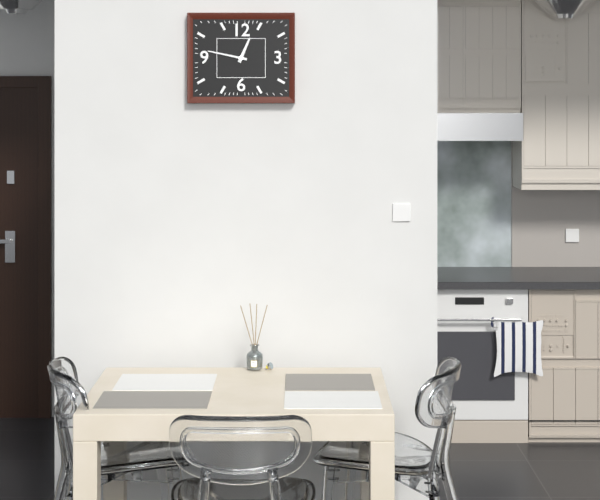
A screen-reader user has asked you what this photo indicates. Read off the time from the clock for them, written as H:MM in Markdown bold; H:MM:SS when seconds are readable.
**12:47**
